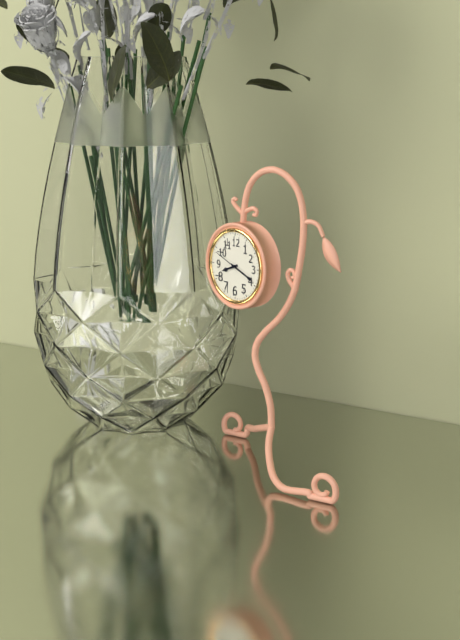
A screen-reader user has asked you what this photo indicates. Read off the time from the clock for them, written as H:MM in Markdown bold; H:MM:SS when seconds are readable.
**8:19**
